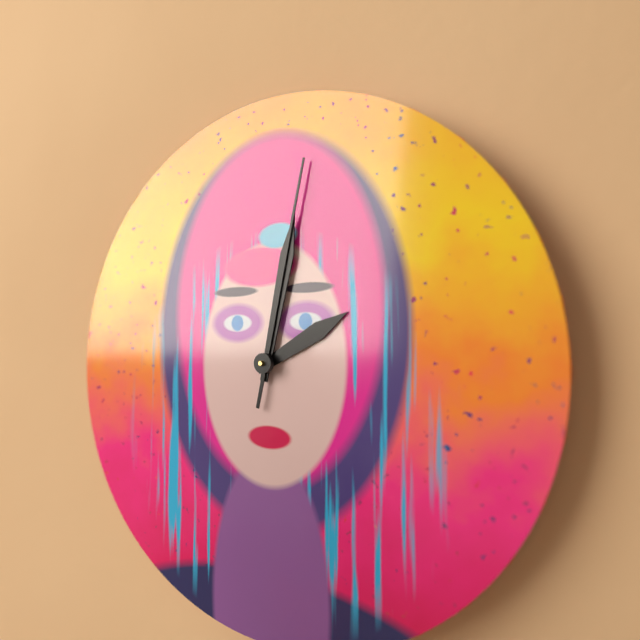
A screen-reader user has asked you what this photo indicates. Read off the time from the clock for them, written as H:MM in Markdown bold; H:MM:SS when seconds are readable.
**2:02:02**
